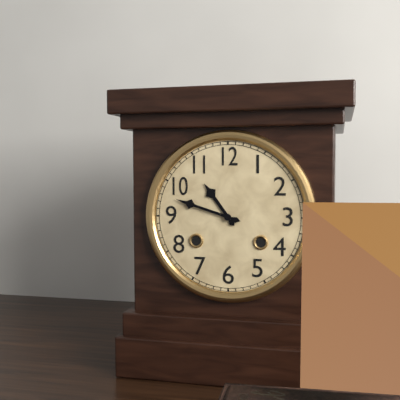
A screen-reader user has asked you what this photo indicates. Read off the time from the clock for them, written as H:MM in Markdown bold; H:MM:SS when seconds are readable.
**10:48**
